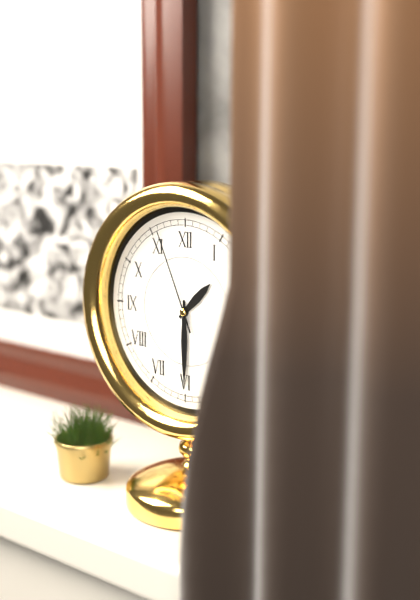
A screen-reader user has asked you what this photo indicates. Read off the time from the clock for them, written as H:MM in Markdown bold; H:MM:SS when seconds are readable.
**1:30:56**
